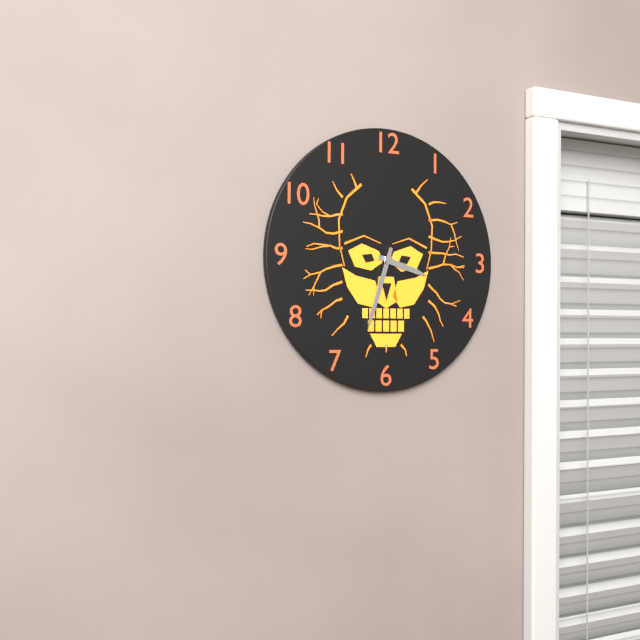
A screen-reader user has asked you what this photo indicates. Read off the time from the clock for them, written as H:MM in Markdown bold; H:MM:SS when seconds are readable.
**3:33**
